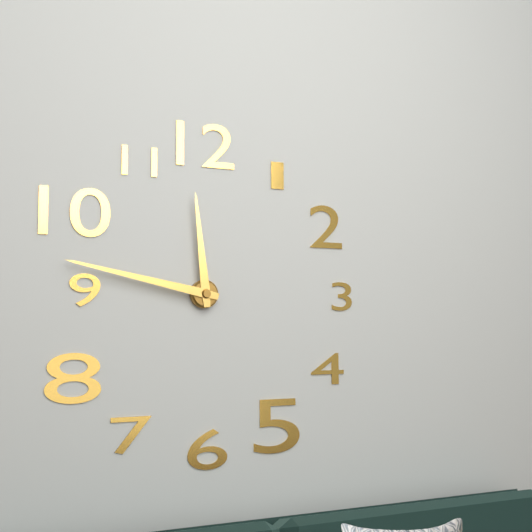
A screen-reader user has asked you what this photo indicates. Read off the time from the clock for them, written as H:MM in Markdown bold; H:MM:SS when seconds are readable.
**11:47**
